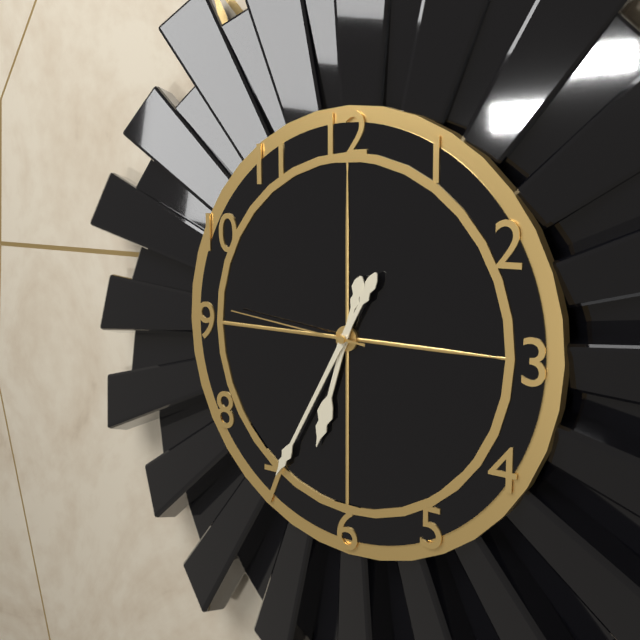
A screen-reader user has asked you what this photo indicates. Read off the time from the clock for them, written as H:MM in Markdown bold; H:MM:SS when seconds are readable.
**6:35:46**
